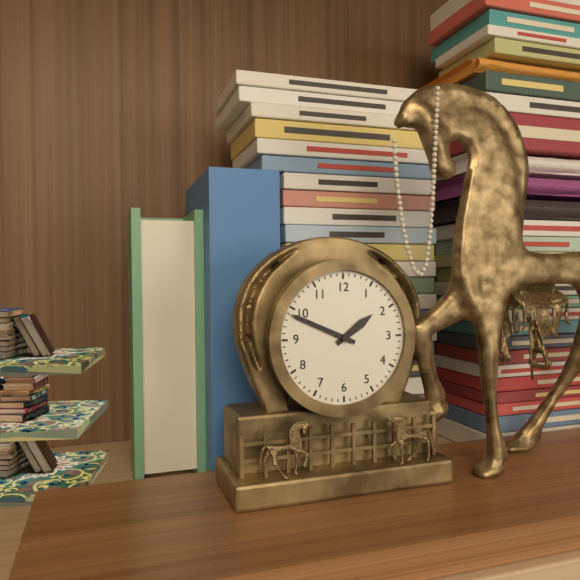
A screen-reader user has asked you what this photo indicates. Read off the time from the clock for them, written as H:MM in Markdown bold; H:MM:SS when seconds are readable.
**1:49**
